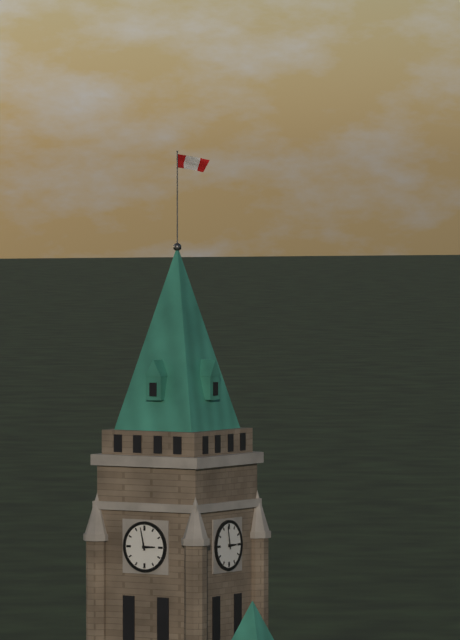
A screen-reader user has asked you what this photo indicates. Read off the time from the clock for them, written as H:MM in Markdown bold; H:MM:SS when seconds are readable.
**2:58**
